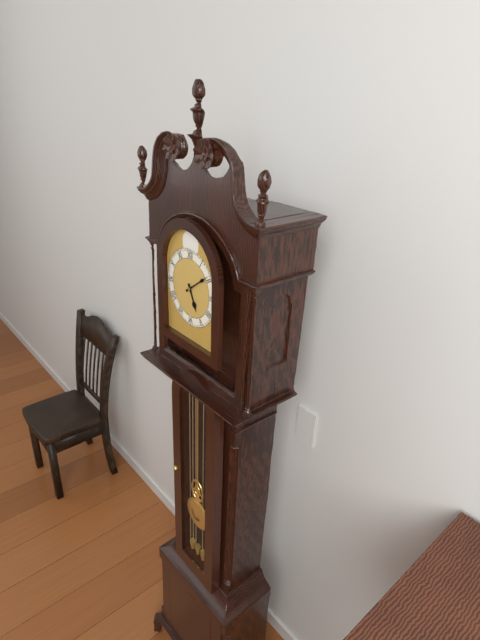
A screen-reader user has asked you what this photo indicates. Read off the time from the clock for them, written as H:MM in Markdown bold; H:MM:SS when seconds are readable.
**5:09**
